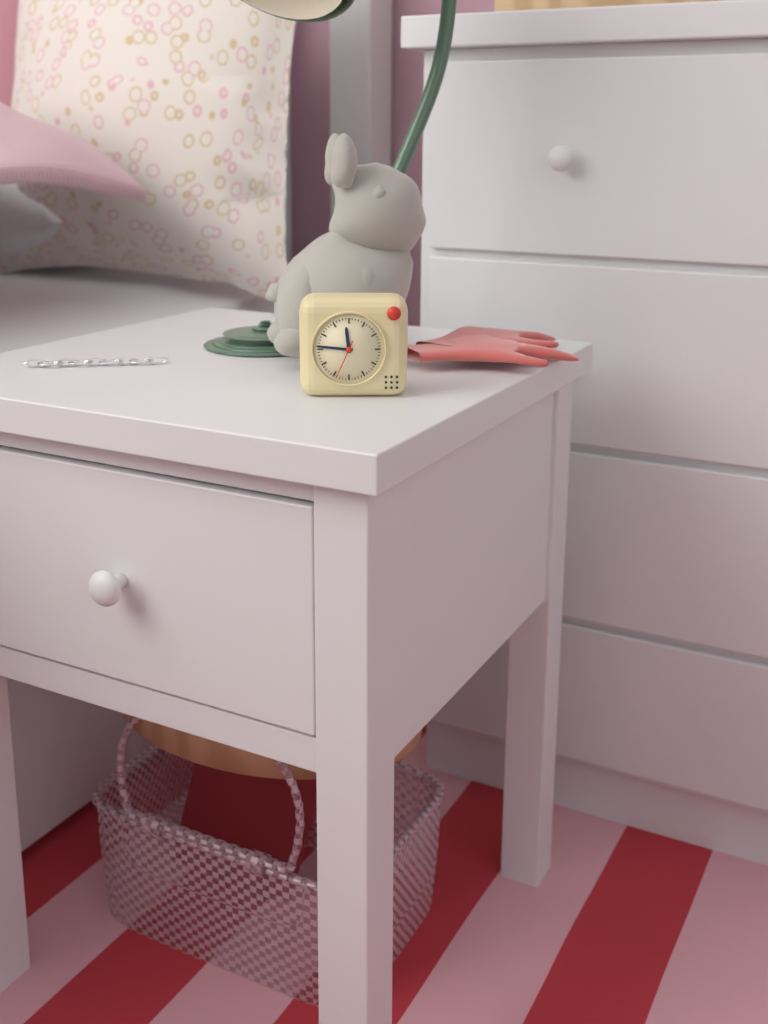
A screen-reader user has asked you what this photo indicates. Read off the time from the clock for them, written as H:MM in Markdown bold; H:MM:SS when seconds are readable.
**11:46**
